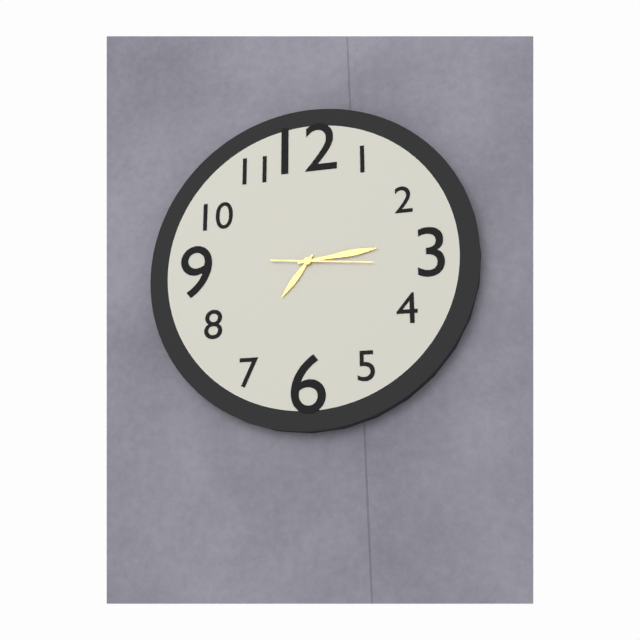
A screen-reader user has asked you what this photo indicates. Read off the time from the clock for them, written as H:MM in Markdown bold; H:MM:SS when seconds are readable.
**7:14:16**
